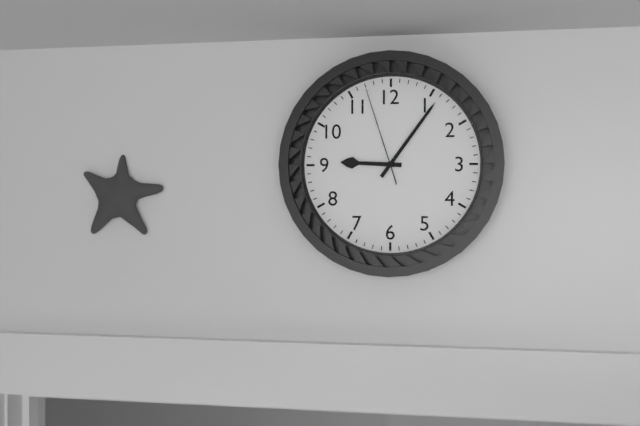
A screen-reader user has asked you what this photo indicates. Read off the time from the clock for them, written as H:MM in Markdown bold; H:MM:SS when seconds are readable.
**9:06:57**
